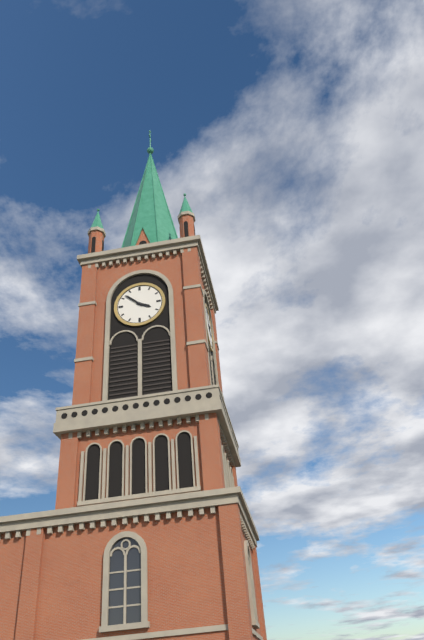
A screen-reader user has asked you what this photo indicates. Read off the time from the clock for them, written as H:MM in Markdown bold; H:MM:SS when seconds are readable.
**3:52**
